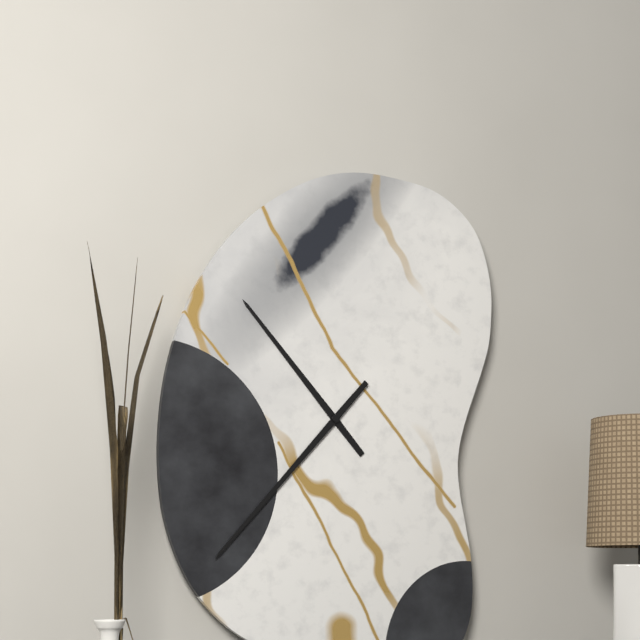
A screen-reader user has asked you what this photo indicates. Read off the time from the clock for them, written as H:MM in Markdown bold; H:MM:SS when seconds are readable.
**10:37**
